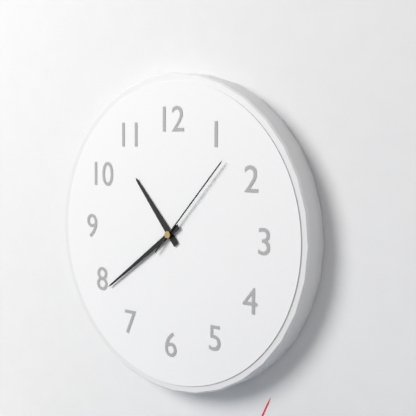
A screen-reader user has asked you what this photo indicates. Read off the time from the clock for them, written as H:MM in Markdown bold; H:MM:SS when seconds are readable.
**10:39:07**
